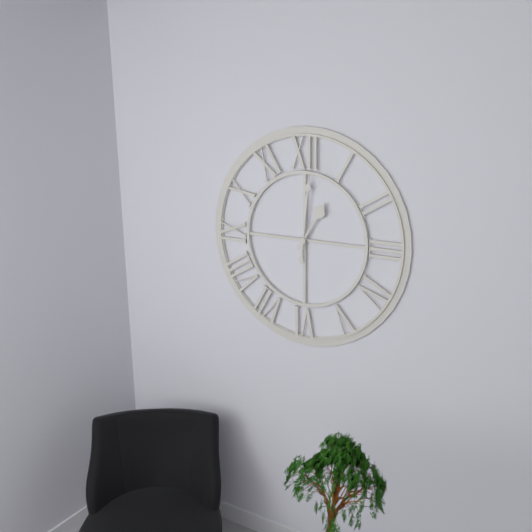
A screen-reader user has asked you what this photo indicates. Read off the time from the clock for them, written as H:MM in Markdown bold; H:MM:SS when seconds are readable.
**1:01**
